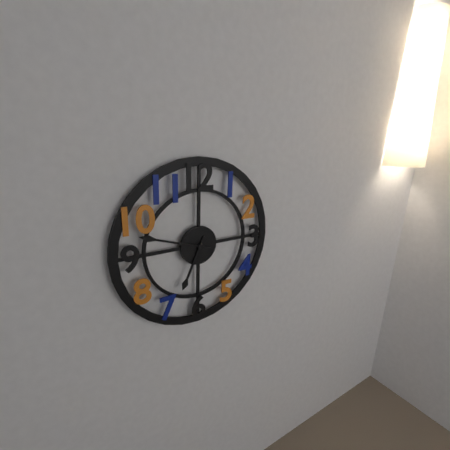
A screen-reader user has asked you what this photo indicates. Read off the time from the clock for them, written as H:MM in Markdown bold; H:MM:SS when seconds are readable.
**6:48**
